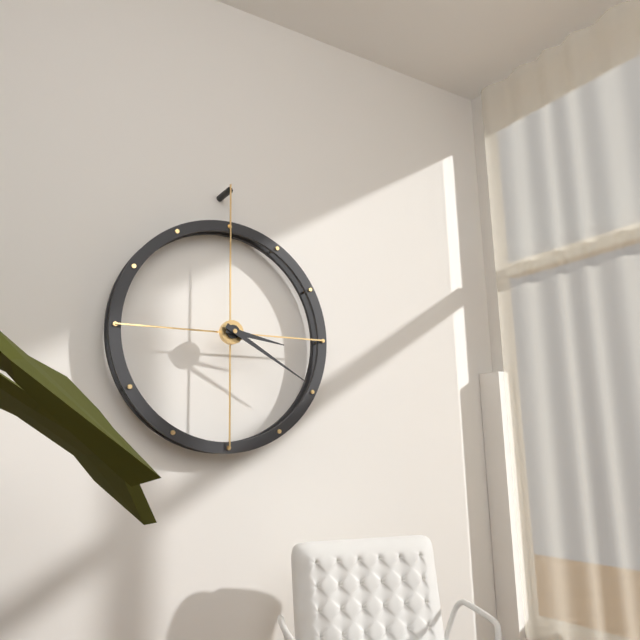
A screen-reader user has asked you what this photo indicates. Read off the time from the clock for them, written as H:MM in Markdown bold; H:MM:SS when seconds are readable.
**3:20**
